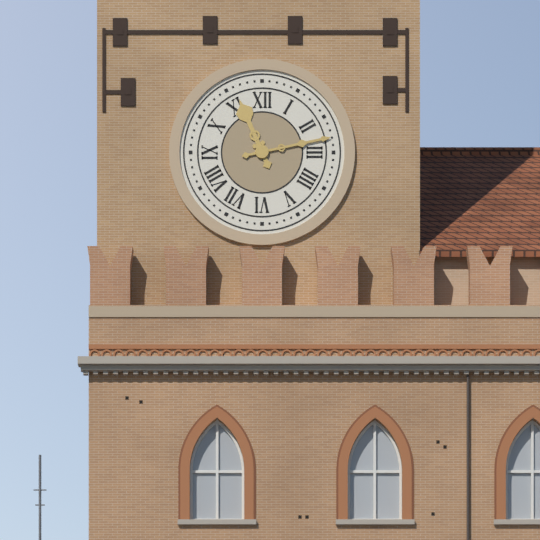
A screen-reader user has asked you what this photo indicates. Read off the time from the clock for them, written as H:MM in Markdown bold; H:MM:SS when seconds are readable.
**11:13**
